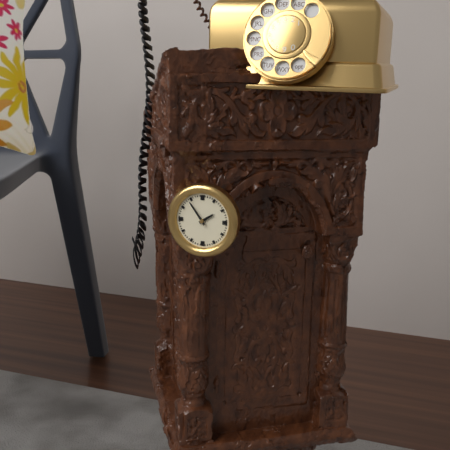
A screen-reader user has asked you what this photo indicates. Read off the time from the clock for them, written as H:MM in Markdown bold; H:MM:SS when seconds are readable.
**1:54**
